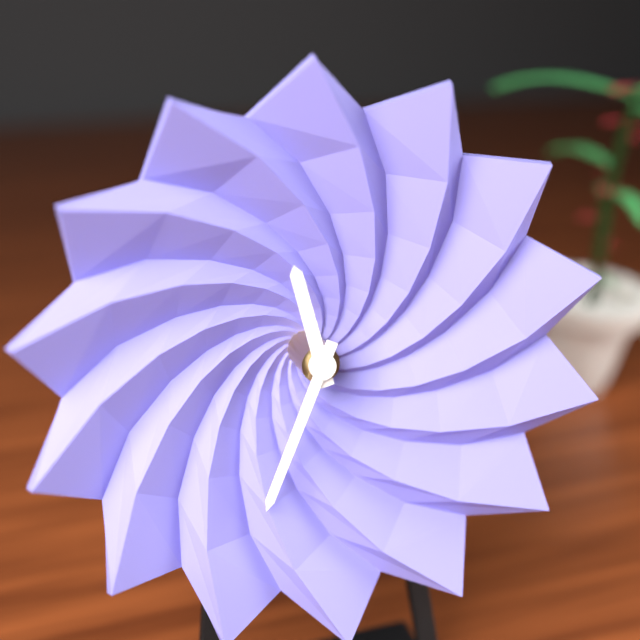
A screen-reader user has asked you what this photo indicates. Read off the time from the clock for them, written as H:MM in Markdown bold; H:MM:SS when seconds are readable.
**11:34**
